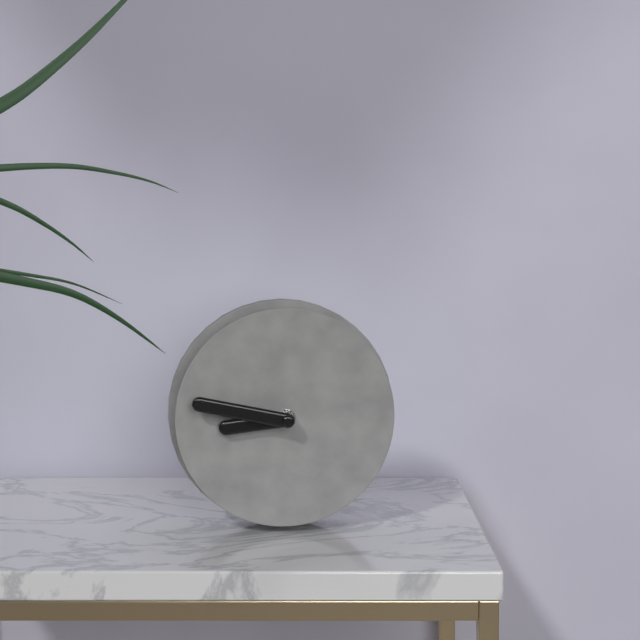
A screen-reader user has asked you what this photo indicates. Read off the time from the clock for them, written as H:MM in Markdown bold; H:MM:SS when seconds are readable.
**8:47**
